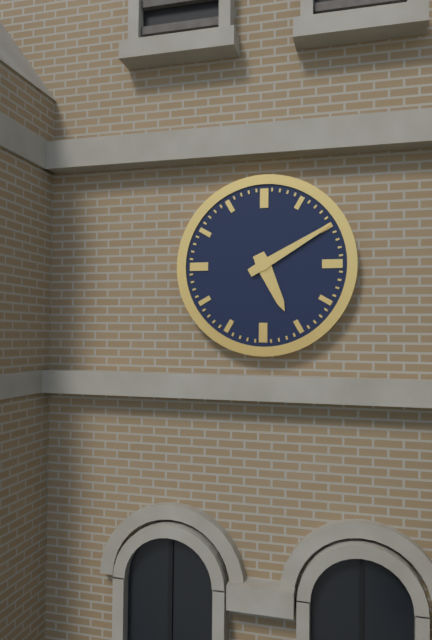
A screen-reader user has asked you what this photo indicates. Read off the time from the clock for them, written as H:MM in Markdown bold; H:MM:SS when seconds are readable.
**5:10**
